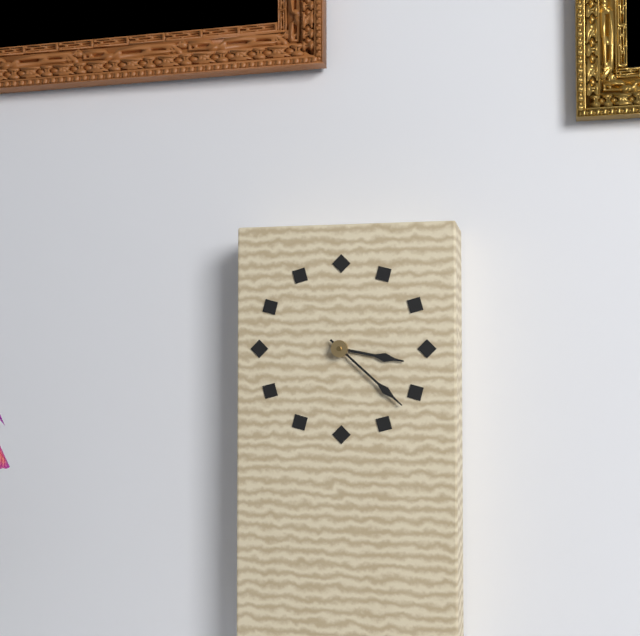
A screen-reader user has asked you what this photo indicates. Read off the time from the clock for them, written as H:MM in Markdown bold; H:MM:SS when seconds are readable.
**3:22**
